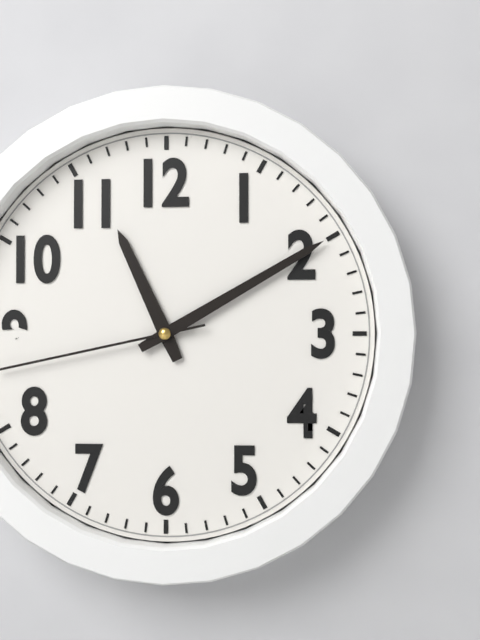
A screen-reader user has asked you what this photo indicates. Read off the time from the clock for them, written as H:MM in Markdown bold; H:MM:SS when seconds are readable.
**11:10**
